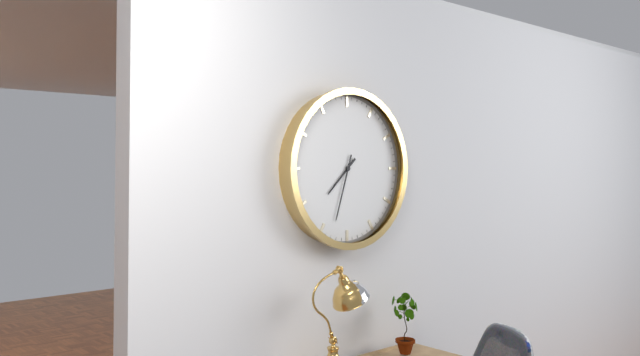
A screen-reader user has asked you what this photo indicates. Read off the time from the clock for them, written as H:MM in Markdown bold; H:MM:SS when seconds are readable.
**7:33**
